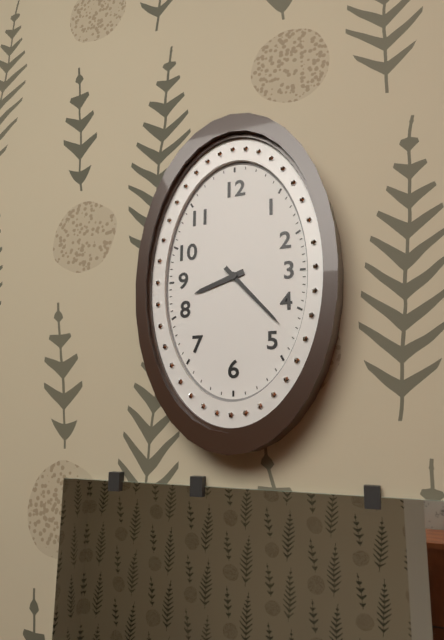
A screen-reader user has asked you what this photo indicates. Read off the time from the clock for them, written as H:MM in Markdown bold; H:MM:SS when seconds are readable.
**8:23**
